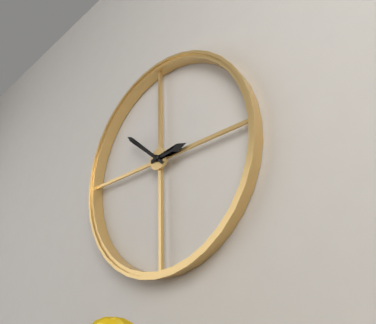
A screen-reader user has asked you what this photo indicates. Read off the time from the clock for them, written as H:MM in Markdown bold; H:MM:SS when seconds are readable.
**2:52**
